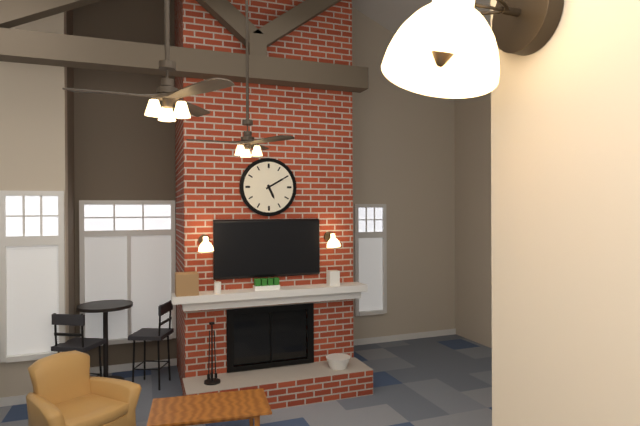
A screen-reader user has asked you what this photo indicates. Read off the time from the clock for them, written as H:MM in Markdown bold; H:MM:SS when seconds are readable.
**5:10**
